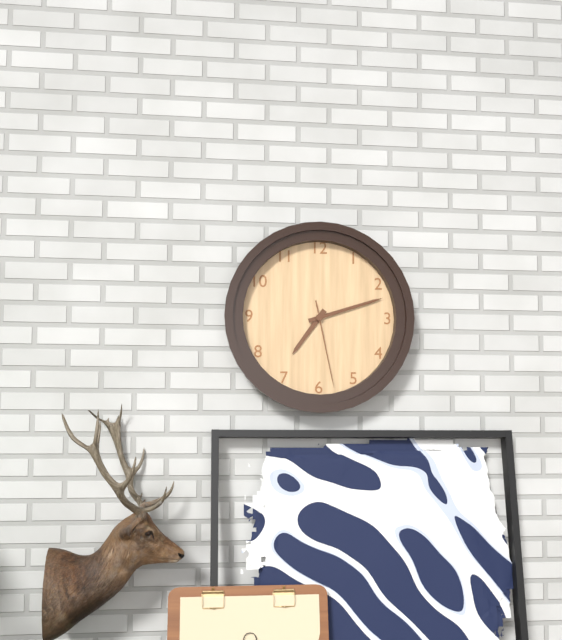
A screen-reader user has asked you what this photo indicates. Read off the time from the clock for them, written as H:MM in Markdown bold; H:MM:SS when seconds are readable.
**7:12:28**
